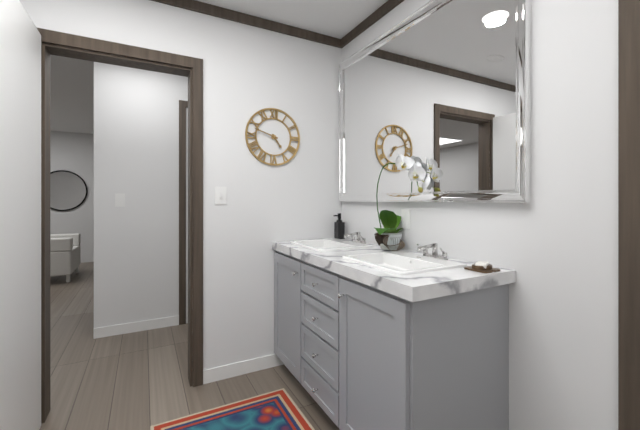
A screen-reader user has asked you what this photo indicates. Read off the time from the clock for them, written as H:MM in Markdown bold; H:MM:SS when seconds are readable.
**4:48**
